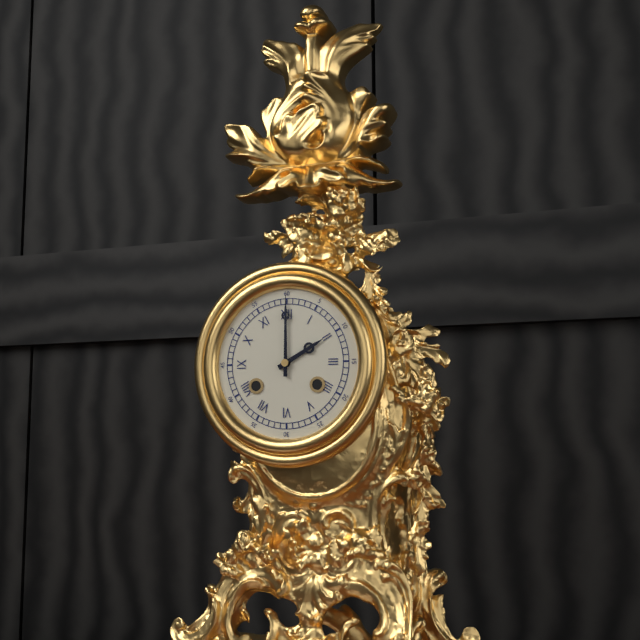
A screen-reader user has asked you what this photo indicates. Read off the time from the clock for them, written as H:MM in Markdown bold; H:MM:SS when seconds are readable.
**2:00**
